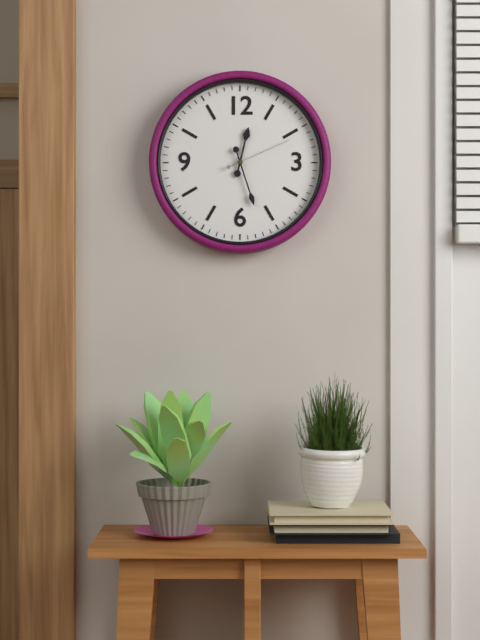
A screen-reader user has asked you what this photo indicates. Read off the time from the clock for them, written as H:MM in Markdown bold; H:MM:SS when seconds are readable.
**12:27:11**
